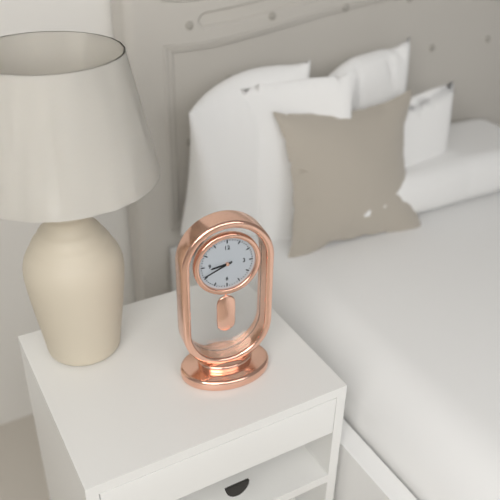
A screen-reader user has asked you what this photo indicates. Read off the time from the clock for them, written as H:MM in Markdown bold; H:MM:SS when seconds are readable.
**8:41**
